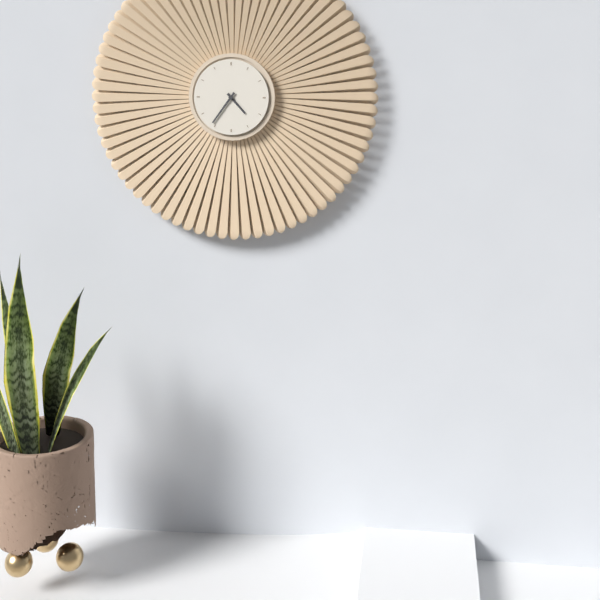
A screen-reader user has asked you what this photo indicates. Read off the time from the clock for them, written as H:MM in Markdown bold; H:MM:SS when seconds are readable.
**4:36**
